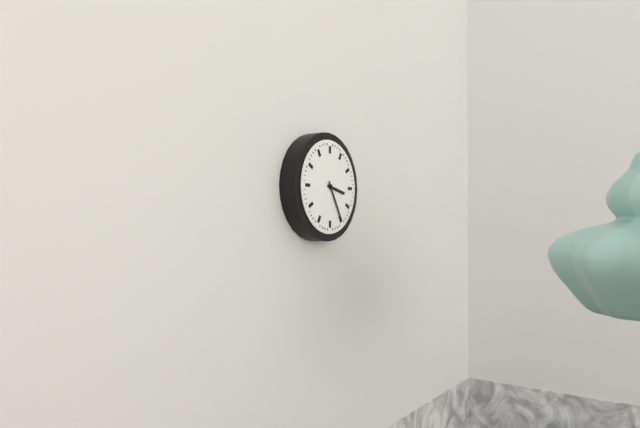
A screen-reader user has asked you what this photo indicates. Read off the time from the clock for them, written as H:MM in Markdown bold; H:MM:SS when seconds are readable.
**3:25**
